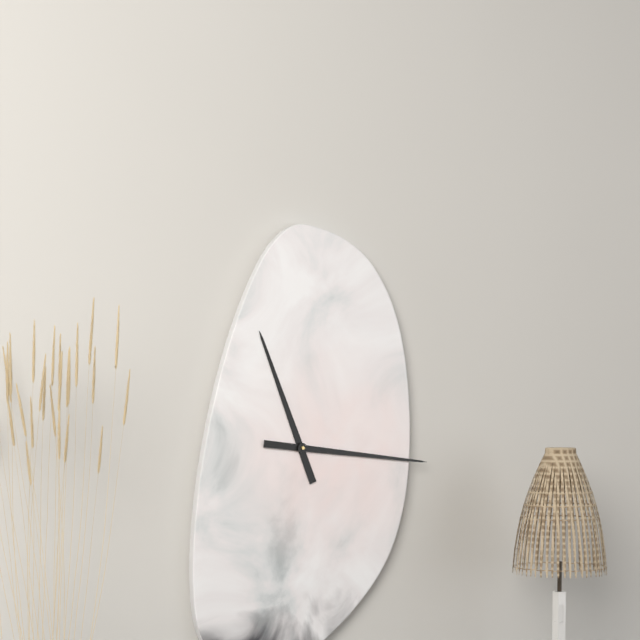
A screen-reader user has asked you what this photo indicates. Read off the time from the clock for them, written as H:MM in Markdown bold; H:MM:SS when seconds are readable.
**11:16**
